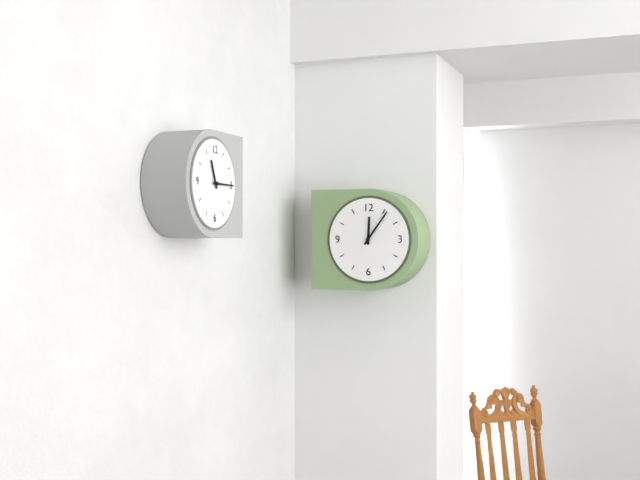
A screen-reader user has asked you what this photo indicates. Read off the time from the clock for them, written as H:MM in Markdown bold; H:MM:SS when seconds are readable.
**12:06**
